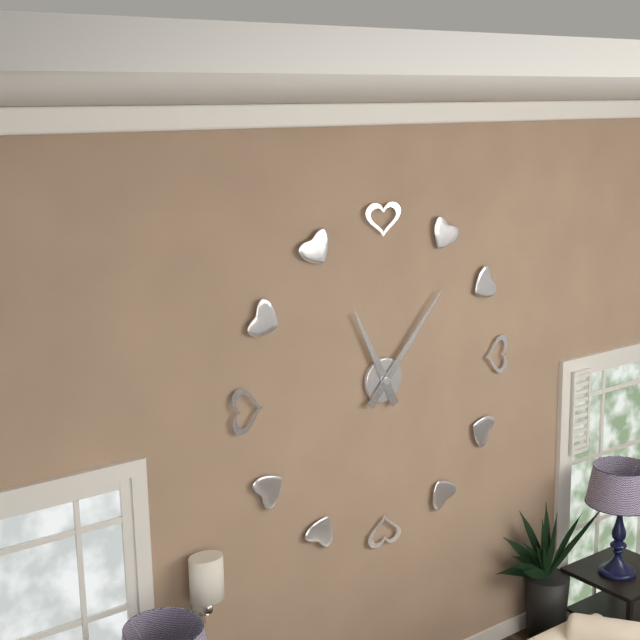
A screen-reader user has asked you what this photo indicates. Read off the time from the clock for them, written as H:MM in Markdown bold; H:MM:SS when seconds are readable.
**11:07**
